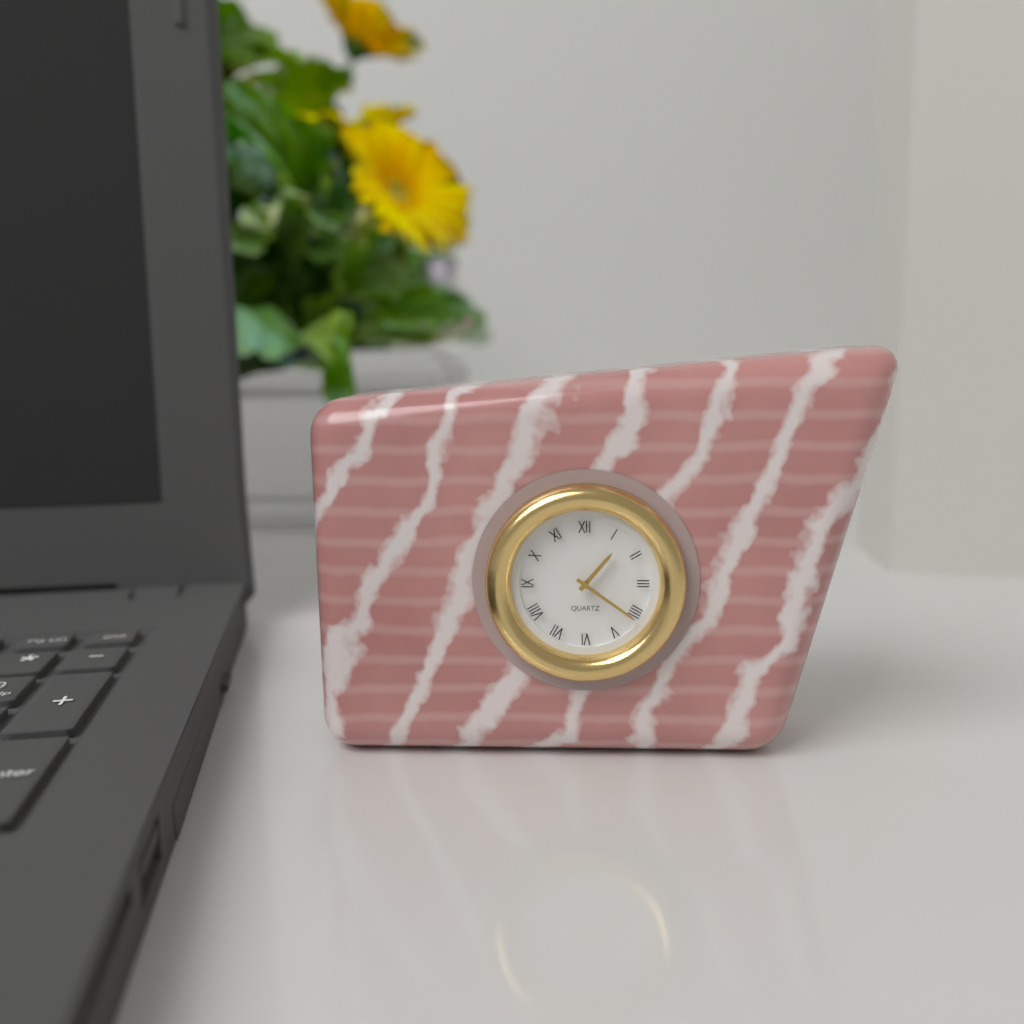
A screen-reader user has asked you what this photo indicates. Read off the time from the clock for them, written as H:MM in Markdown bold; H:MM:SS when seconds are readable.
**1:21**
